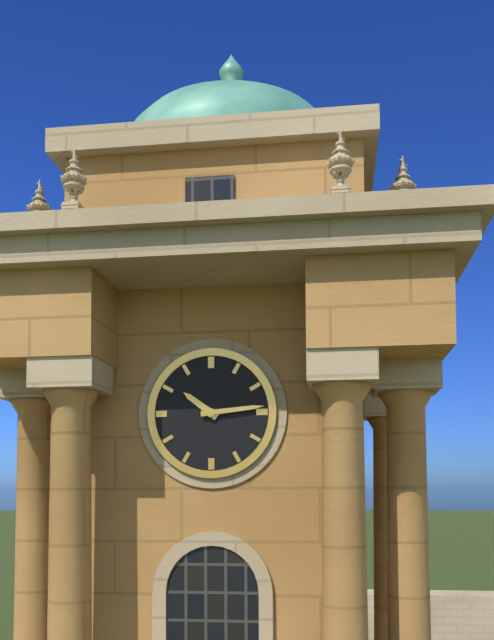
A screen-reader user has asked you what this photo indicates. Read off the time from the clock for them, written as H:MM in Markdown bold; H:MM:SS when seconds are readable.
**10:14**
